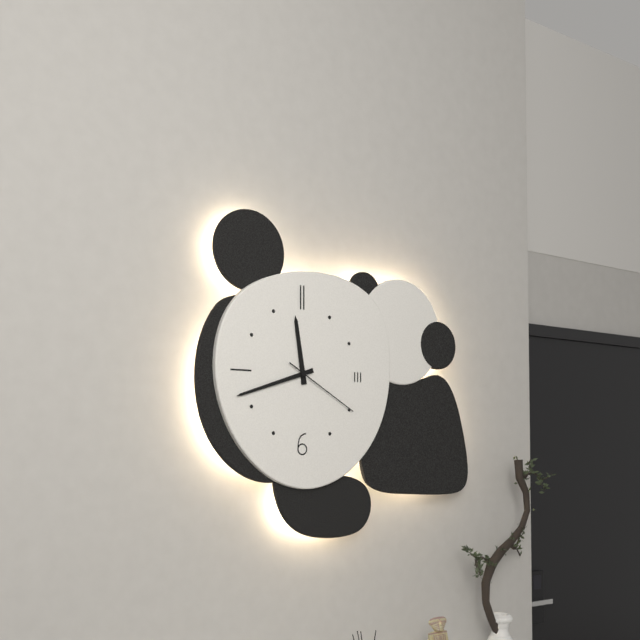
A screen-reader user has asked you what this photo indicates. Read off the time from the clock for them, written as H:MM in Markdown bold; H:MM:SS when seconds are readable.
**11:42:20**
